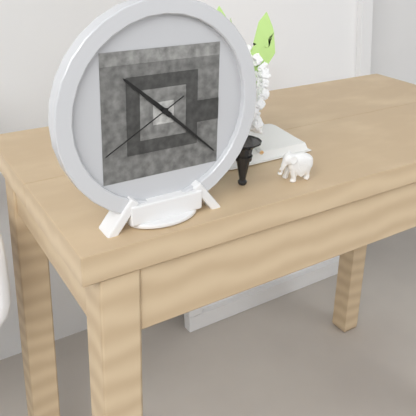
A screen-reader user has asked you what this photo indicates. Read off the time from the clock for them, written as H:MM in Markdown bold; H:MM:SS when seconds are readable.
**10:22:40**
